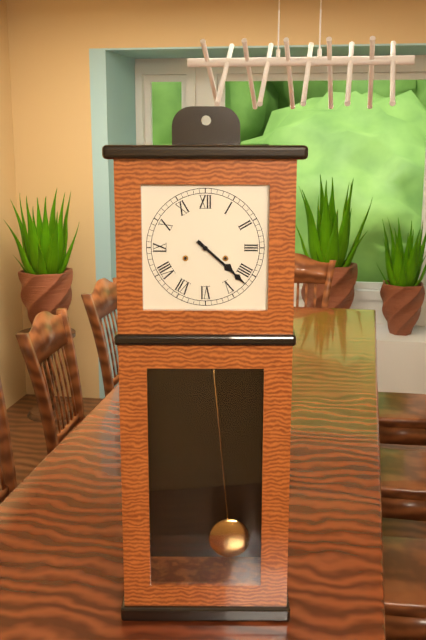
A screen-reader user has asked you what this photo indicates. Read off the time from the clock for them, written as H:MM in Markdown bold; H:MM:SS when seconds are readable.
**4:22**
